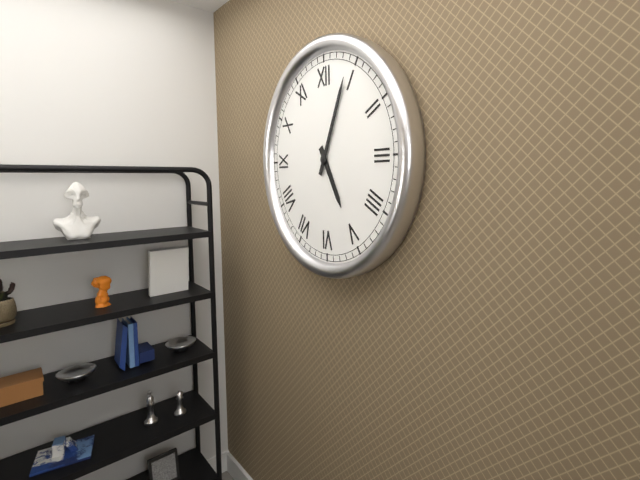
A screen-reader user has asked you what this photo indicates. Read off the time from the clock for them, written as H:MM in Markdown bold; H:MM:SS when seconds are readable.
**5:04**
